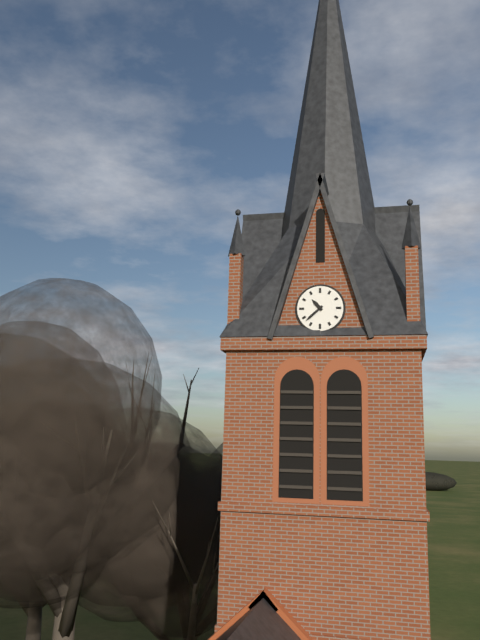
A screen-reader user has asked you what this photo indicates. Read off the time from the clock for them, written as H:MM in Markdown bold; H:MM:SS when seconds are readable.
**10:38**
